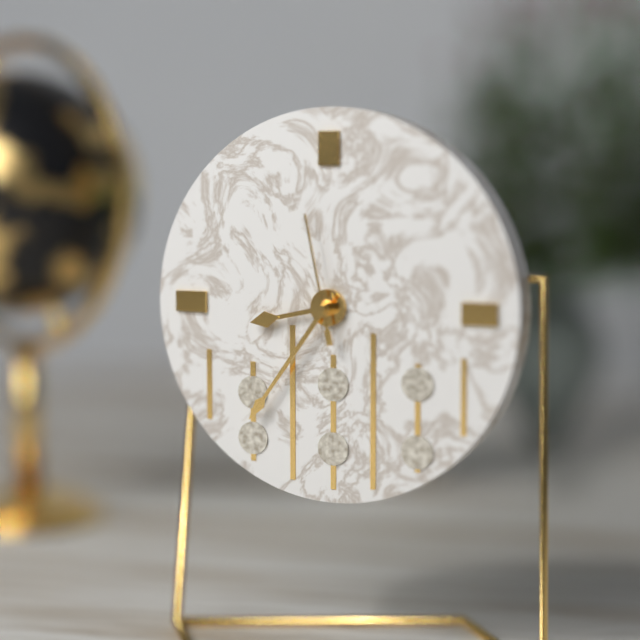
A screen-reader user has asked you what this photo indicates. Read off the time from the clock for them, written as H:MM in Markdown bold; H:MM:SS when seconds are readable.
**8:36:58**
